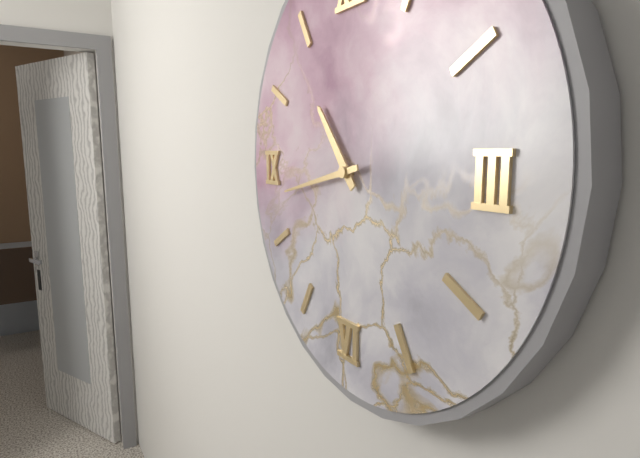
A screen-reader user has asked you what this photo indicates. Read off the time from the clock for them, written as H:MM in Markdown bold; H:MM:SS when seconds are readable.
**10:43**
